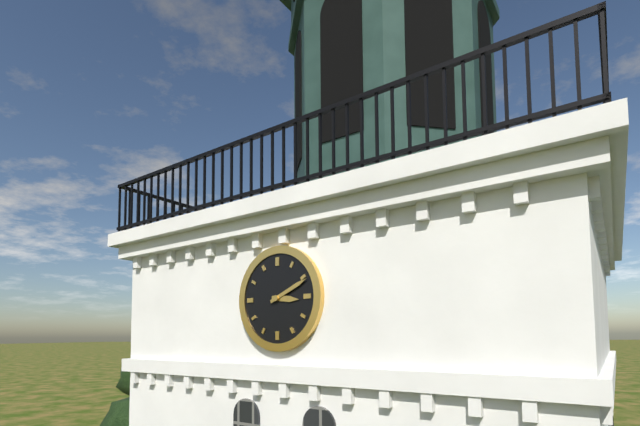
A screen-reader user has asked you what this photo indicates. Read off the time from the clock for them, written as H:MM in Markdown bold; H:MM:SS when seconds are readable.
**3:11**
